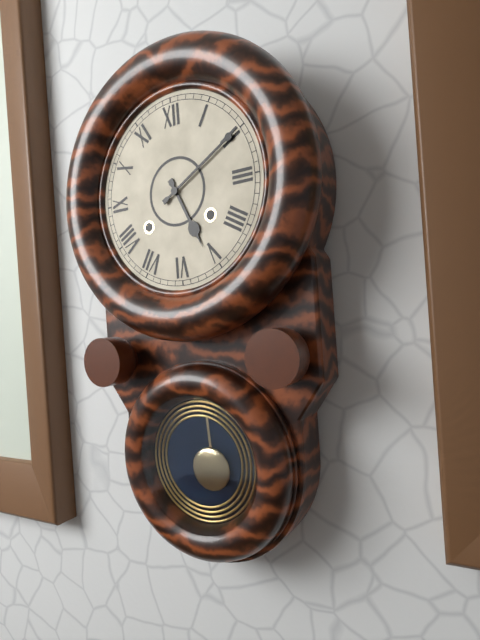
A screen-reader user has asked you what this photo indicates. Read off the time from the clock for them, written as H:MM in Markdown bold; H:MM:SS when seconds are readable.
**5:10**
